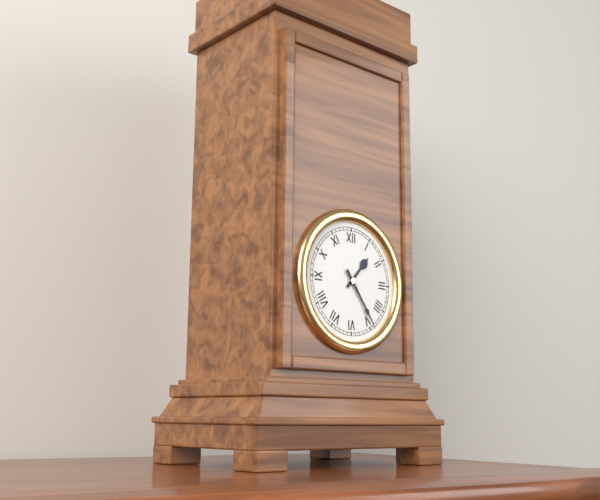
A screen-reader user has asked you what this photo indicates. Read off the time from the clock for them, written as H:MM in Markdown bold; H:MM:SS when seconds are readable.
**1:24**
